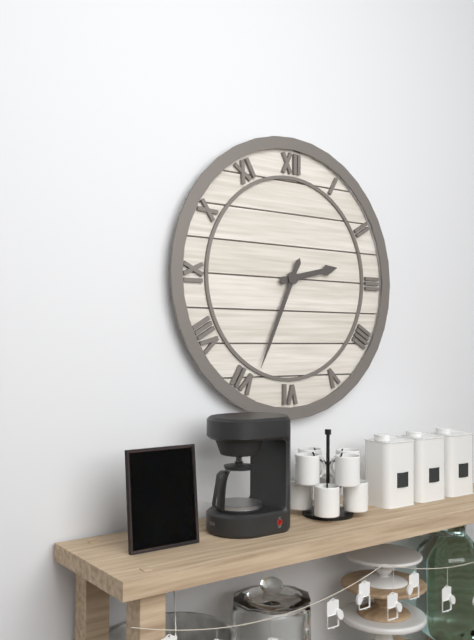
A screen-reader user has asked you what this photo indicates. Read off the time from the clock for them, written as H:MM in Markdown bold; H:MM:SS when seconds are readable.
**2:34**
